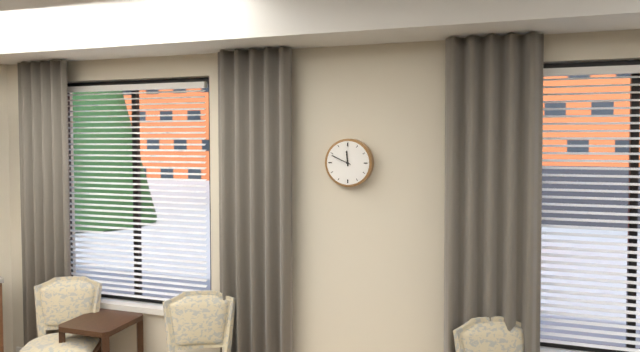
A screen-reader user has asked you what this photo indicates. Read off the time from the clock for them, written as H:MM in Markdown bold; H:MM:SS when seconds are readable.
**11:49**
